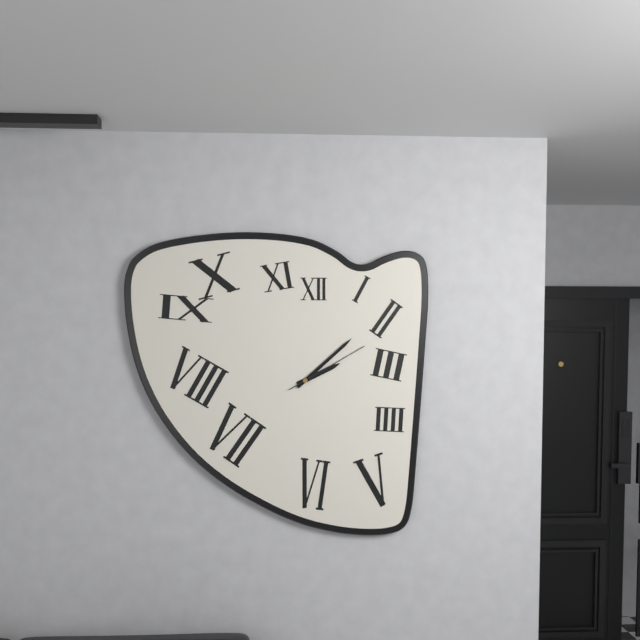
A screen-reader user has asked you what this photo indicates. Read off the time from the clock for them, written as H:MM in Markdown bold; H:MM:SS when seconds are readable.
**2:08:10**
